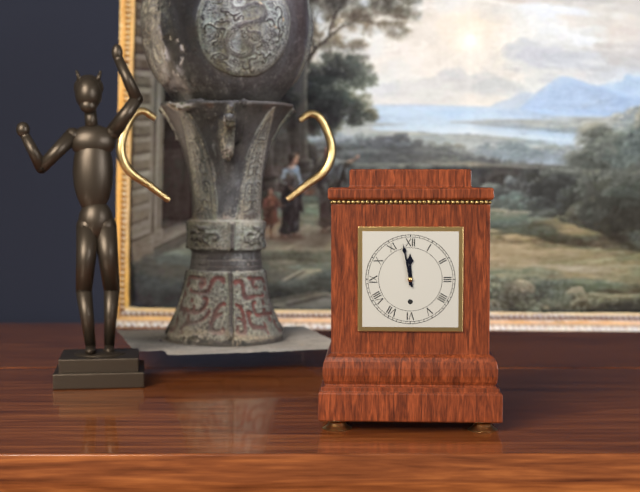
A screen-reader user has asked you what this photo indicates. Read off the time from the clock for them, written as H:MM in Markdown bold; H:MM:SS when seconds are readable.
**11:58**
